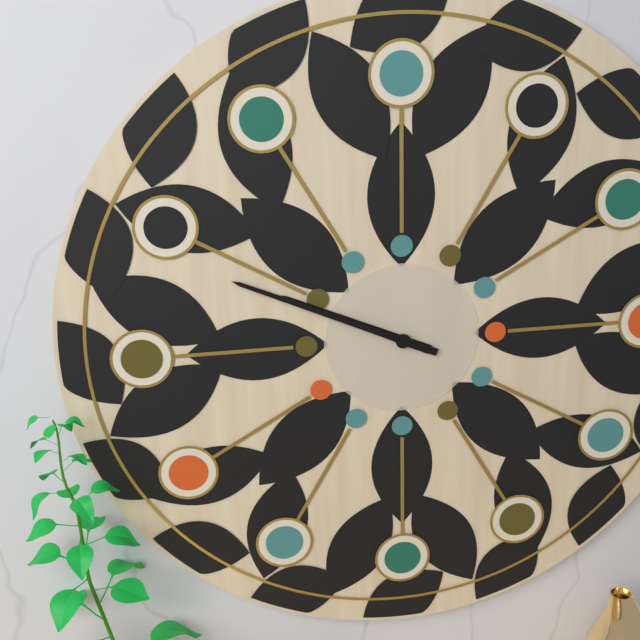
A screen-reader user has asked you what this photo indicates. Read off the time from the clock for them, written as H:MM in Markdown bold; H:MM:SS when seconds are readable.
**9:49**
